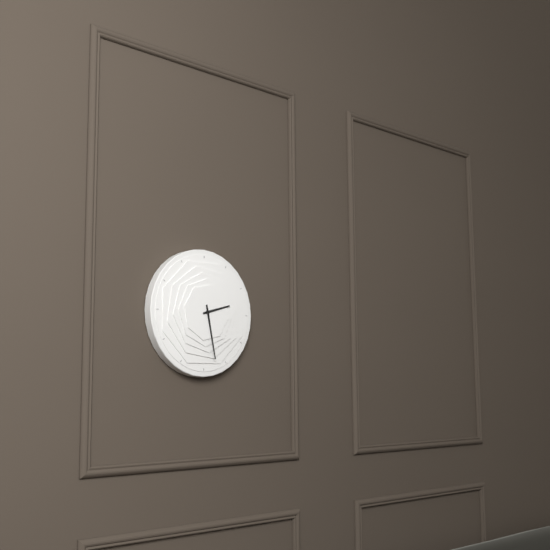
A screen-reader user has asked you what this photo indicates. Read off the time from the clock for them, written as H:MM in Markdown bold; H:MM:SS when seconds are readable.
**2:28**
